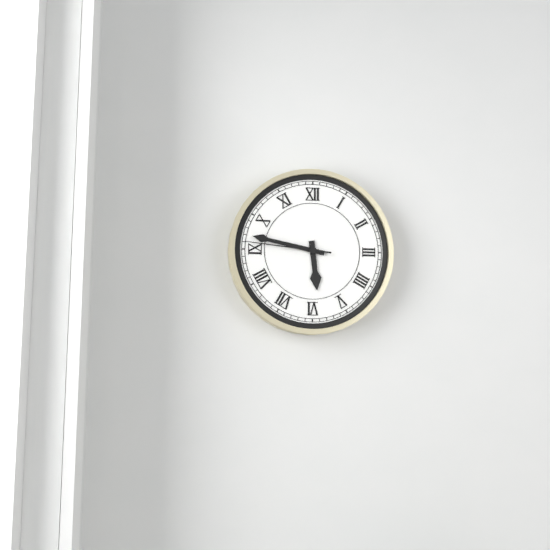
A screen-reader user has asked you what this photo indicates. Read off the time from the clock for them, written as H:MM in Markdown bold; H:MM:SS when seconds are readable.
**5:47:46**
